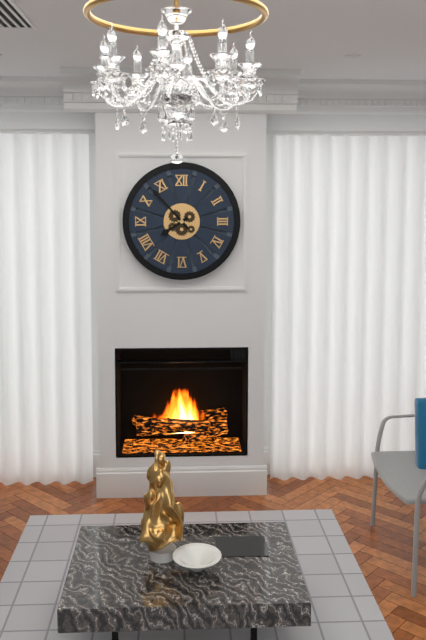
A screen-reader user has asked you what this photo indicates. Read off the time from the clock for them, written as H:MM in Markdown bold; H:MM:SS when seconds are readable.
**7:53**
